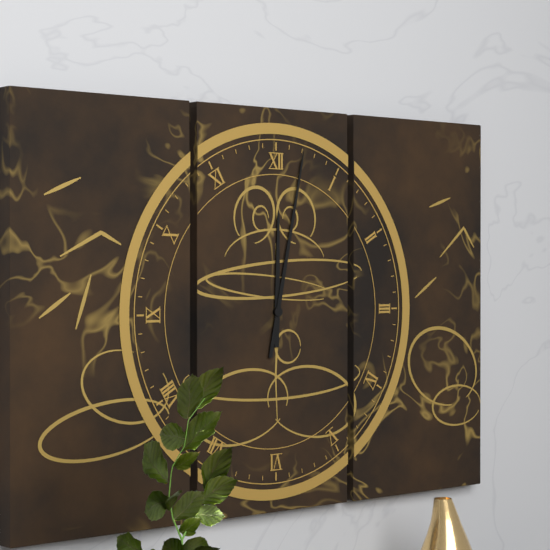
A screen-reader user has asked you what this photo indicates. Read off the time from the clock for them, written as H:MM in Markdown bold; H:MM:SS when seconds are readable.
**12:02**
